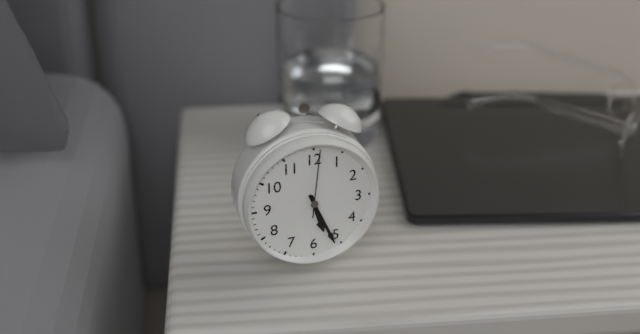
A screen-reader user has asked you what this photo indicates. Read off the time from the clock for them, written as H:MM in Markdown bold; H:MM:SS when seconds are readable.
**5:26:01**
